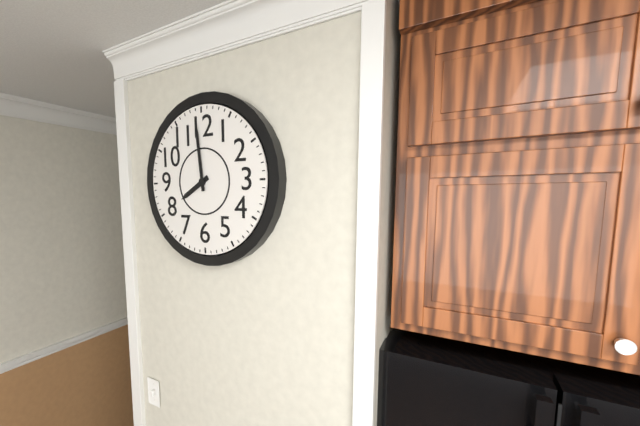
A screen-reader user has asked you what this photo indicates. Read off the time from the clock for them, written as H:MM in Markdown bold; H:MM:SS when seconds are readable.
**7:59**
